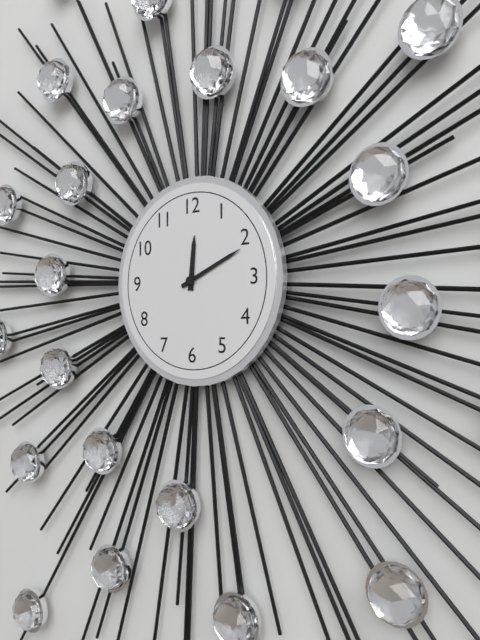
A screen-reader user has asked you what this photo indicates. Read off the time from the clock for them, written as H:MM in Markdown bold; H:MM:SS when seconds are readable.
**12:11**
